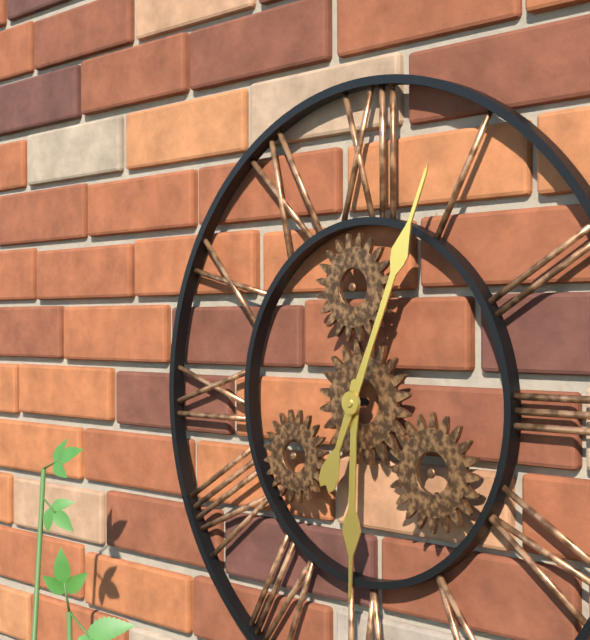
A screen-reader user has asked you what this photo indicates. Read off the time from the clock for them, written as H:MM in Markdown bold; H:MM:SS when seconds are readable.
**6:04**
